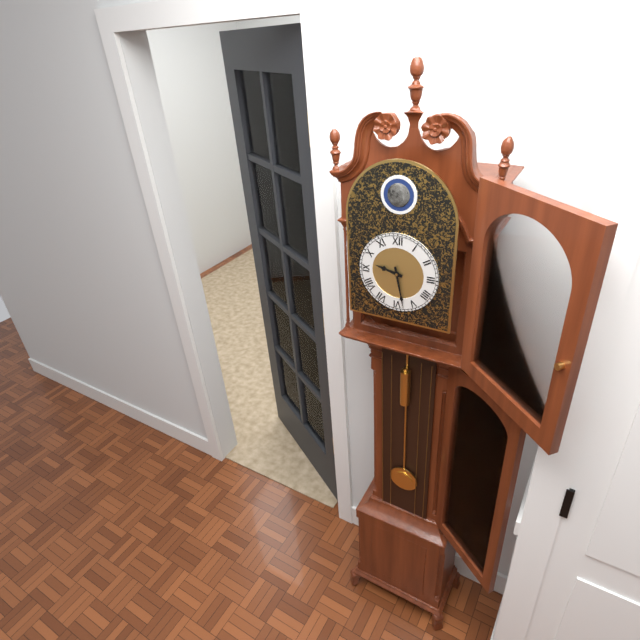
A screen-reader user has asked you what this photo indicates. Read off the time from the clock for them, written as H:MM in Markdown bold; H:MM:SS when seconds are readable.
**9:28**
